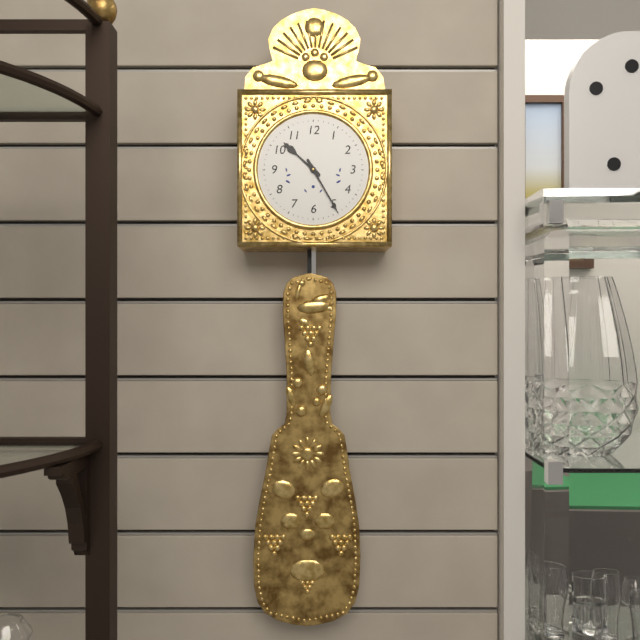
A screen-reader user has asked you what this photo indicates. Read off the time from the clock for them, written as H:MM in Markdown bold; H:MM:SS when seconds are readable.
**10:25**
